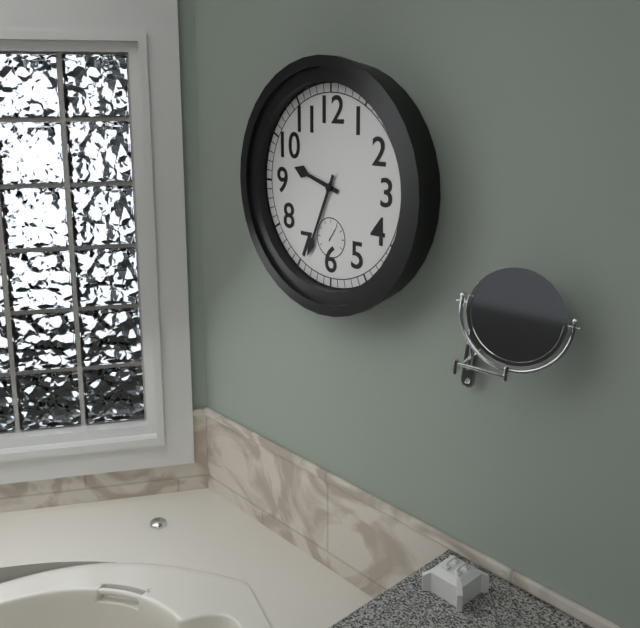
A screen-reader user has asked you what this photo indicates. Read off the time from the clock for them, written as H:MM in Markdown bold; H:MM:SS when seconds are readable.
**9:34**
